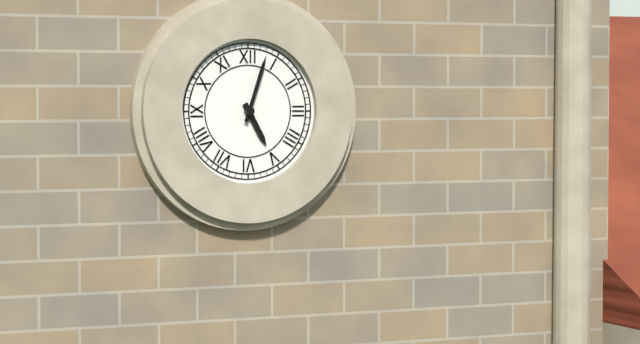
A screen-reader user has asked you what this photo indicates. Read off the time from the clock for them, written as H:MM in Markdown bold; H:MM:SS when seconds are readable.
**5:03**
